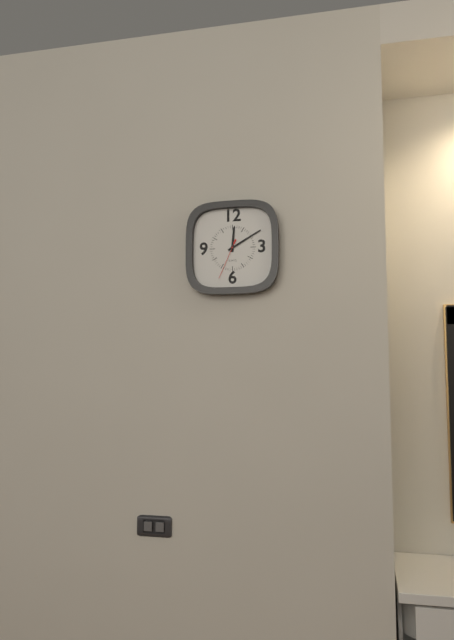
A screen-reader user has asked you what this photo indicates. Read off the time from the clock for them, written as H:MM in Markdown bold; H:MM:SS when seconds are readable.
**12:10**
